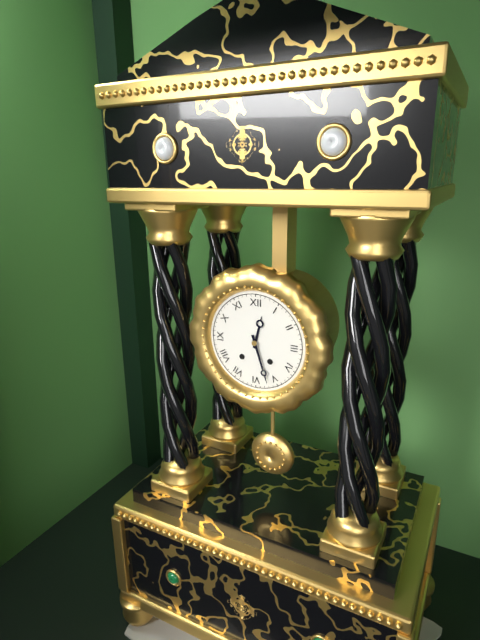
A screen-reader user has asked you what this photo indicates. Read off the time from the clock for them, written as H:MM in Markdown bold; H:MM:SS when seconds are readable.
**12:27**
